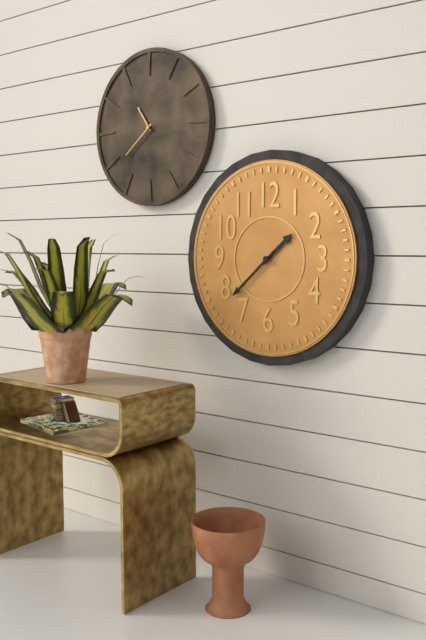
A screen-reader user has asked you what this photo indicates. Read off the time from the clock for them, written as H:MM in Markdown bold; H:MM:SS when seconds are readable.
**1:38**
